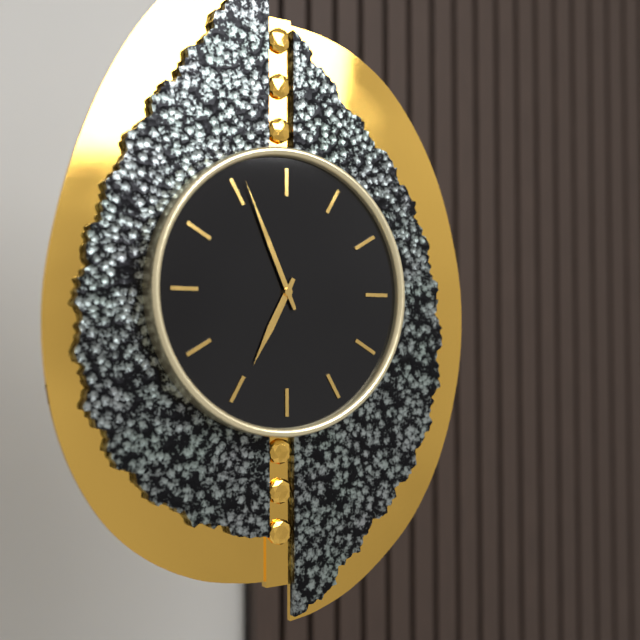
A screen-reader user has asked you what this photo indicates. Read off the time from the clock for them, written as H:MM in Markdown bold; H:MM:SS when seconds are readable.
**6:56**
